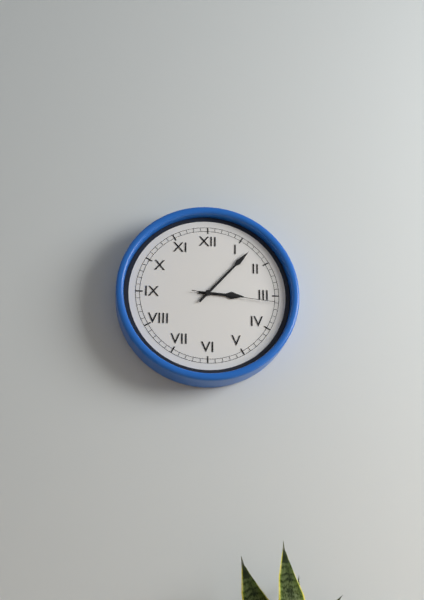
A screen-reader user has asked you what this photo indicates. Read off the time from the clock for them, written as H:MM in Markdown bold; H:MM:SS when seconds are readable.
**3:07:16**
